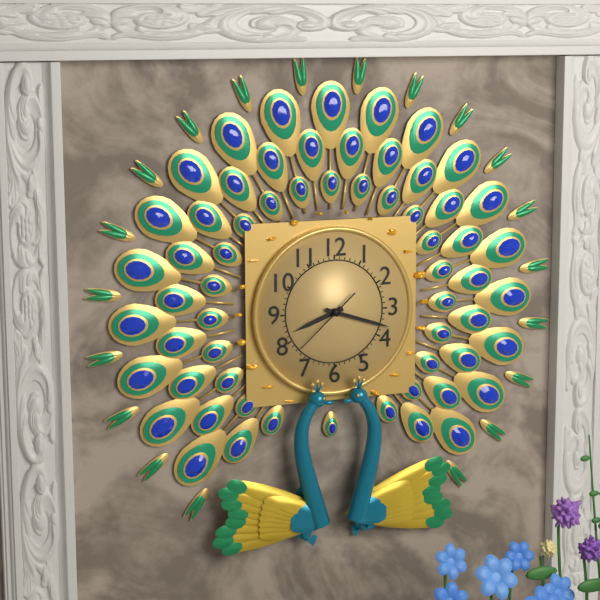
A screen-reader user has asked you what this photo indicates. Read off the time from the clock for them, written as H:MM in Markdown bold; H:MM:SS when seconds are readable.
**8:18:38**
